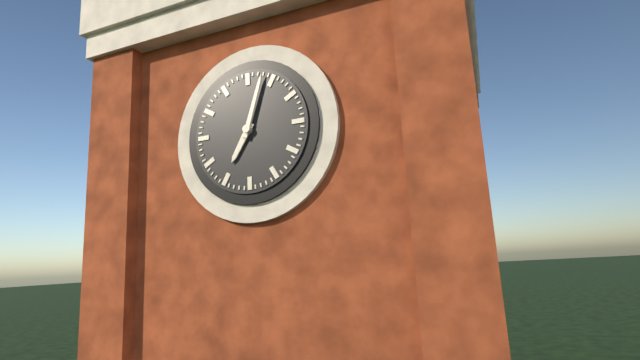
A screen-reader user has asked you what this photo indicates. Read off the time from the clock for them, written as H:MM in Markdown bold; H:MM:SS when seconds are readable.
**7:03**
